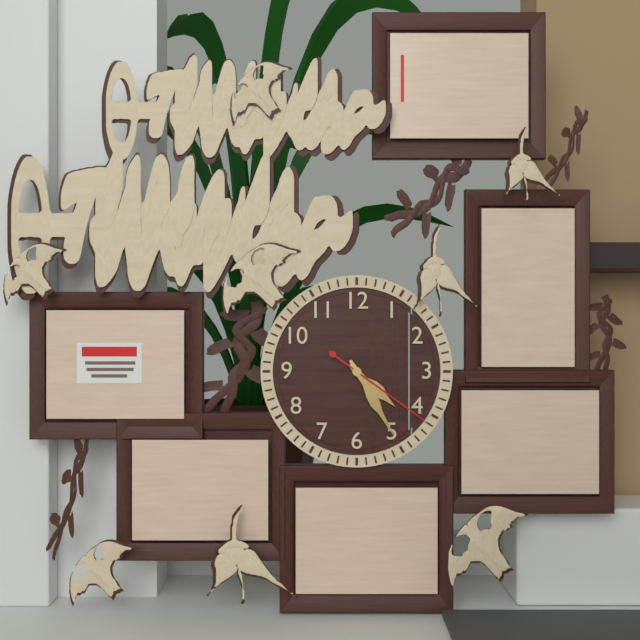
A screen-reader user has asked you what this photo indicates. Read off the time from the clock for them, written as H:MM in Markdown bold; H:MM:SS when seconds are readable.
**4:25:21**
